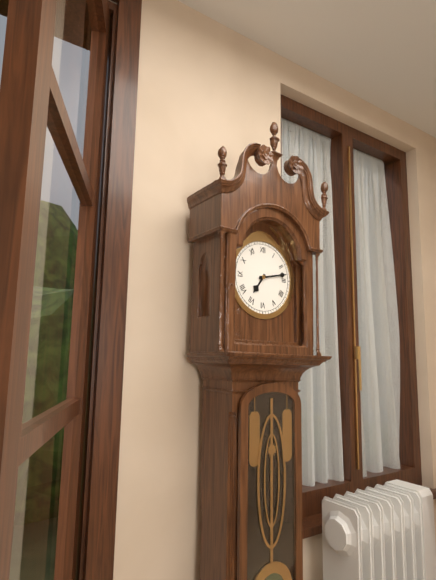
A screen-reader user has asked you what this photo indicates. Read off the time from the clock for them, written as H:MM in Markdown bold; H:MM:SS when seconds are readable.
**7:13**
